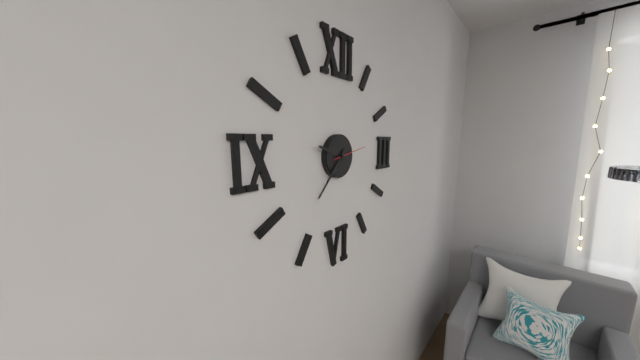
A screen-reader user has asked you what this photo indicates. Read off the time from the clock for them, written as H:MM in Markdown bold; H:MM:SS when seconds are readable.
**9:37**
